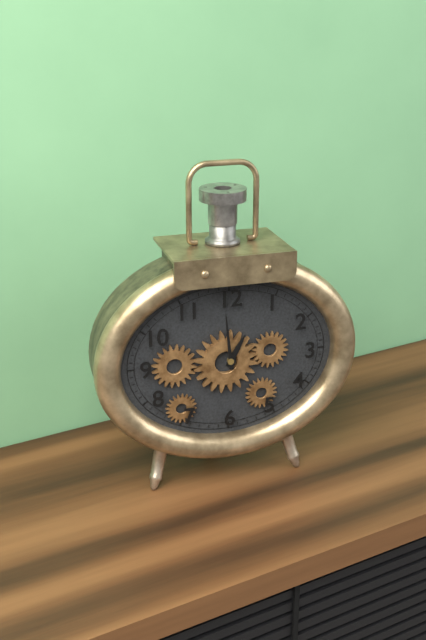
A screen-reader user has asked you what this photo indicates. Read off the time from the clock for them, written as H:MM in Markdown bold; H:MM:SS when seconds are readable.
**12:59**
